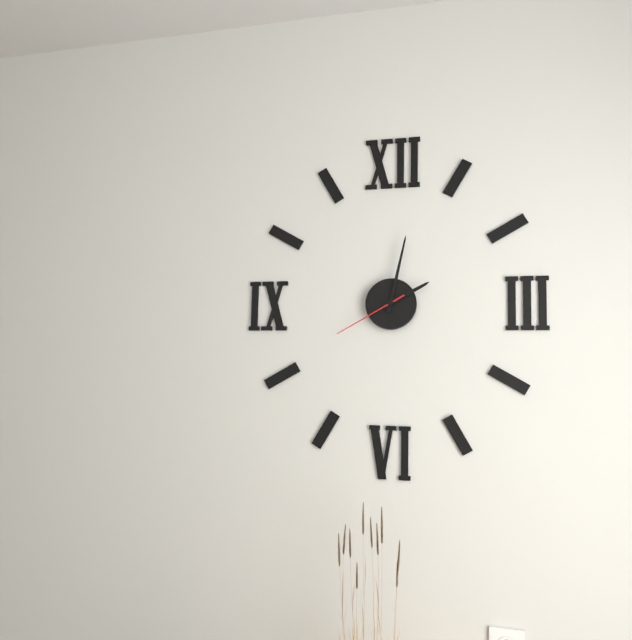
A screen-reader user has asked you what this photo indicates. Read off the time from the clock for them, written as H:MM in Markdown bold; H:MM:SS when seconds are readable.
**2:02:40**
